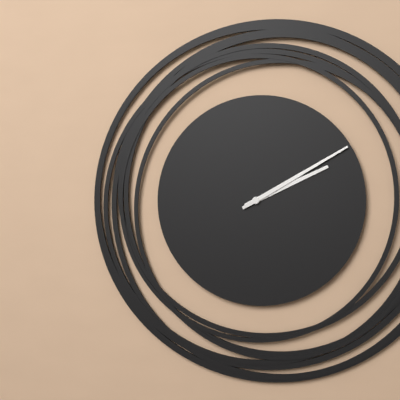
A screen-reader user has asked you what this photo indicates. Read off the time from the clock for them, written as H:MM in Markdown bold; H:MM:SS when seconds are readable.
**2:10**
